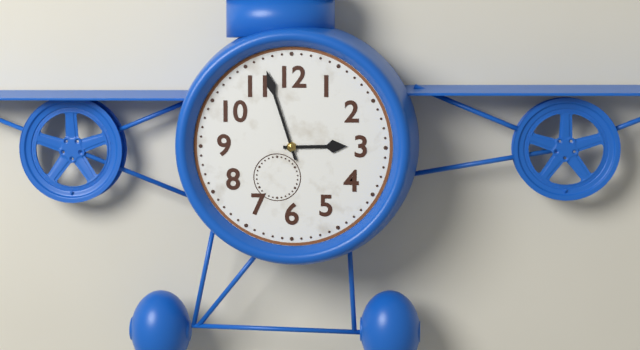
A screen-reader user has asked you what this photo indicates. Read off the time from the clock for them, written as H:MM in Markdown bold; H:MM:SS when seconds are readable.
**2:57**
